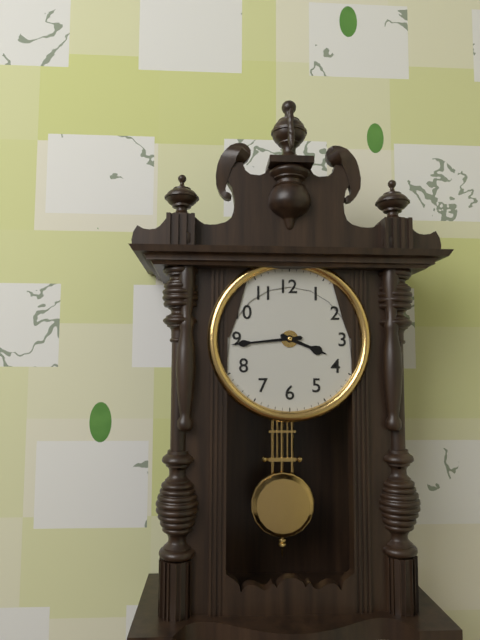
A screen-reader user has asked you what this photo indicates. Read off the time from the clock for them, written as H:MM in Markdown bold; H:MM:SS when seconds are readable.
**3:44**
